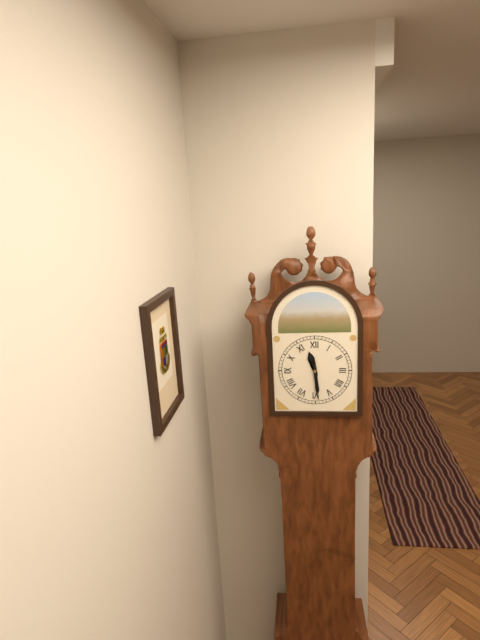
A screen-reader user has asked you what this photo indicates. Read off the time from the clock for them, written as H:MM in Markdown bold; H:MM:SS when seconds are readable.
**11:29**
